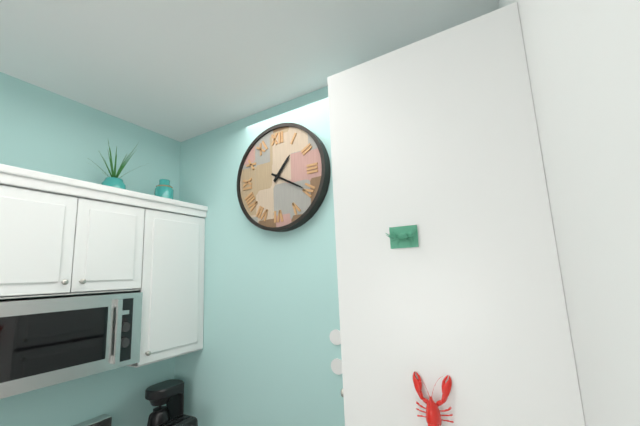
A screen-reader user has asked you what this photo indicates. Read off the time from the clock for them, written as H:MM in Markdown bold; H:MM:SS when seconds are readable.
**1:20**
